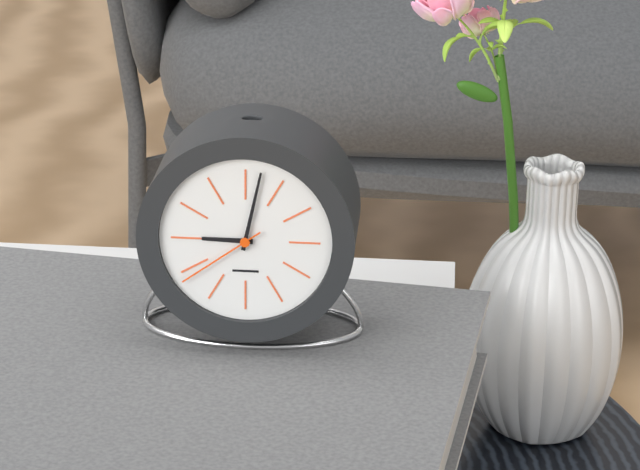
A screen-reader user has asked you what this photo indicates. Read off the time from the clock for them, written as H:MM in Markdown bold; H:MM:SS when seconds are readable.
**9:02:39**
